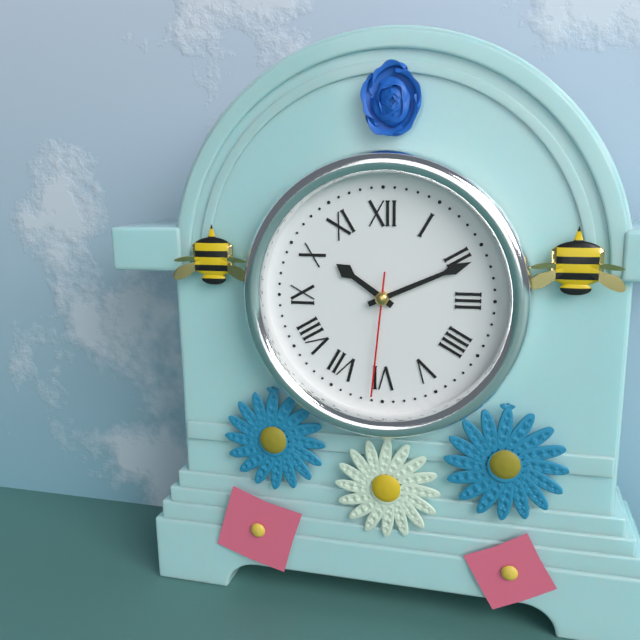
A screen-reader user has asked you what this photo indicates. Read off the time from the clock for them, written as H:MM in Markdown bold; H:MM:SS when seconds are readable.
**10:11:31**
